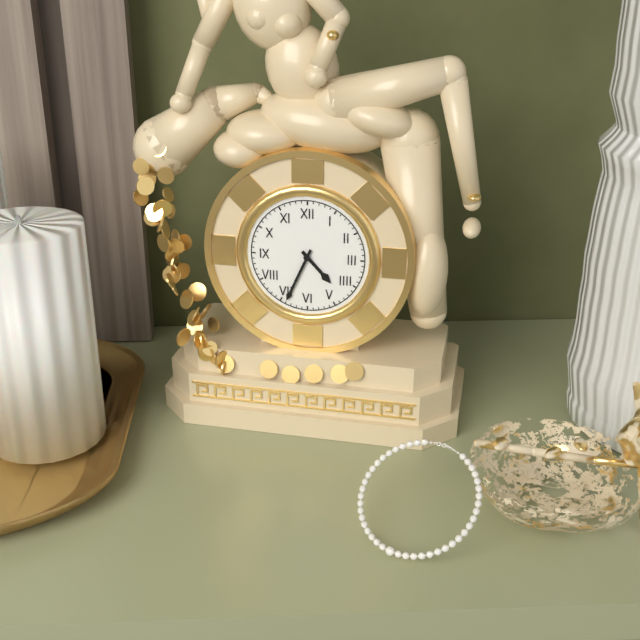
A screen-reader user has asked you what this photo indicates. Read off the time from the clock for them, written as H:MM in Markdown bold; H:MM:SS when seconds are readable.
**4:34**
